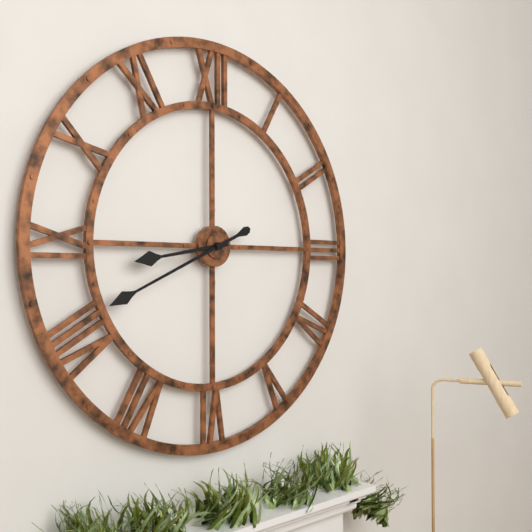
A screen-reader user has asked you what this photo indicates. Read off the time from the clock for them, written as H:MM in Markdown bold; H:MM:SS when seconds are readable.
**8:41**
